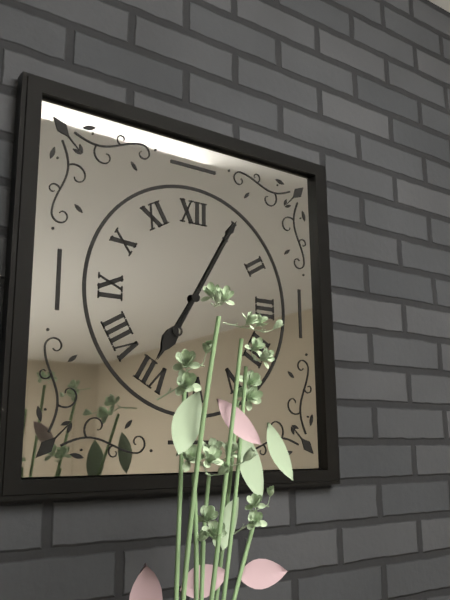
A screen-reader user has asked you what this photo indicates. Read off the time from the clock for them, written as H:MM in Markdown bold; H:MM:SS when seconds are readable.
**7:05**
